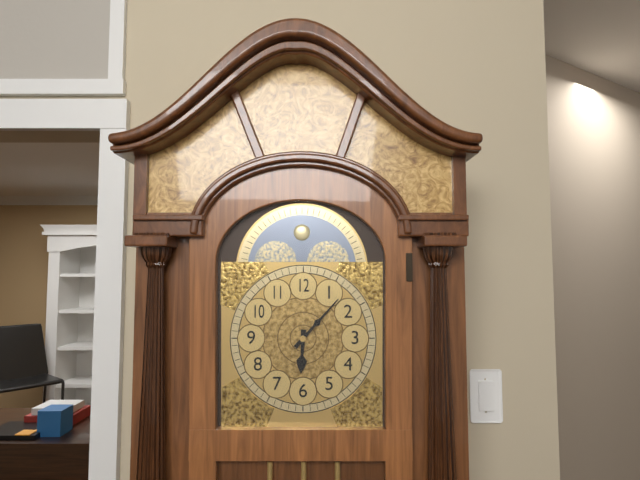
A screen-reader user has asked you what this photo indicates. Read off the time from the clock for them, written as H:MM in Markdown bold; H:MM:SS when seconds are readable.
**6:07**
